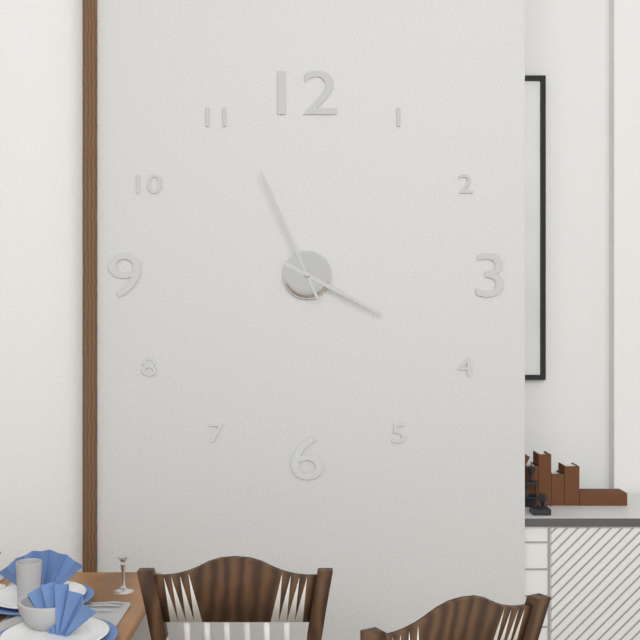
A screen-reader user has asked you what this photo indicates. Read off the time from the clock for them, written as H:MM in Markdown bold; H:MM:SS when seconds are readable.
**3:56**
